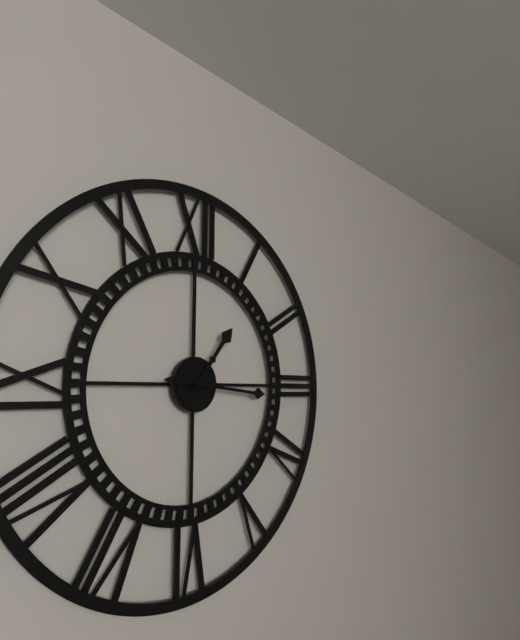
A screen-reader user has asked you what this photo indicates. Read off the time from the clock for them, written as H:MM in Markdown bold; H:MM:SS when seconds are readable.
**1:16**
